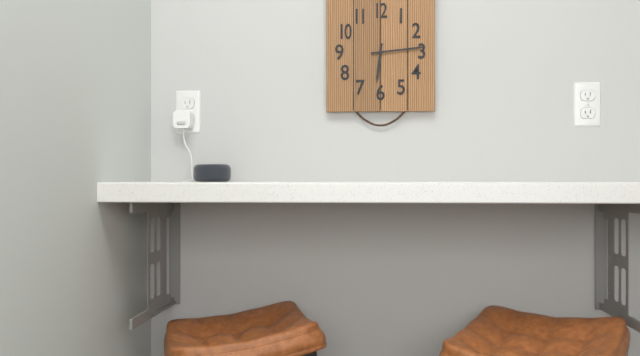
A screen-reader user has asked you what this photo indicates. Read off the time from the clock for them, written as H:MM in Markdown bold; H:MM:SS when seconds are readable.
**6:14**
